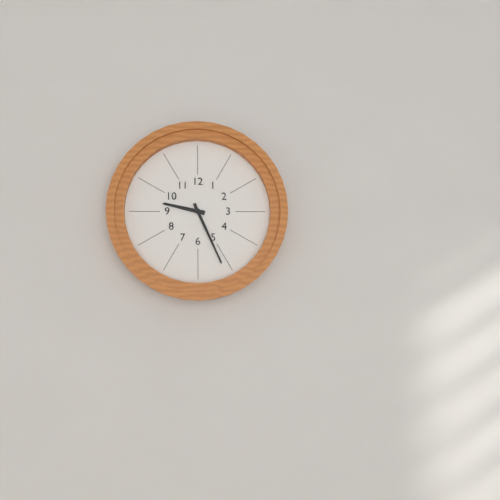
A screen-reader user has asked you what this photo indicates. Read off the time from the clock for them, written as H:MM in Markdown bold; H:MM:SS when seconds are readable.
**9:26**
